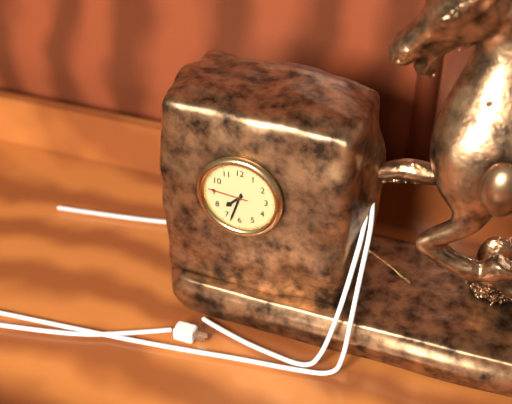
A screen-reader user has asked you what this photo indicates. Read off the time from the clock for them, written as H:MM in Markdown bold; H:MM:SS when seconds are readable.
**7:33**
